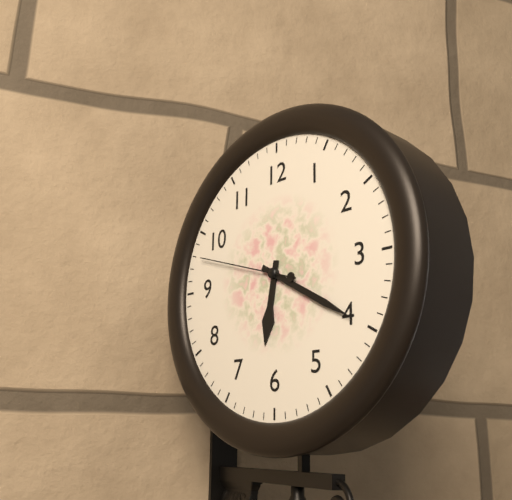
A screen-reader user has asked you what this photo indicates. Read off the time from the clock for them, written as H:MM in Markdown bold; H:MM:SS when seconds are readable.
**6:20:48**
